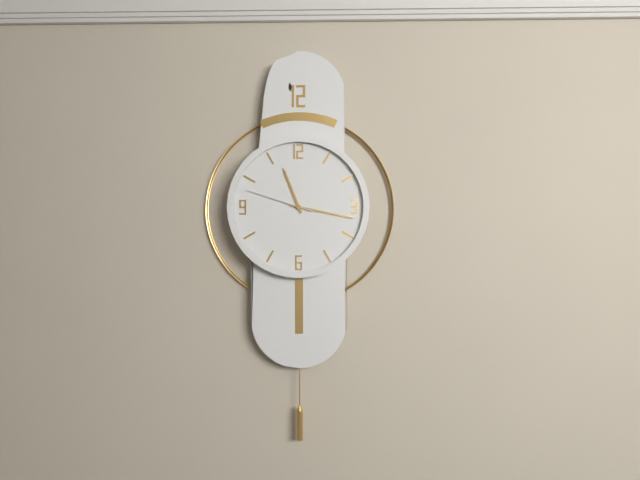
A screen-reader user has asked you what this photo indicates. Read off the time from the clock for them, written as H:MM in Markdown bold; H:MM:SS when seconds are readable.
**11:17:48**
